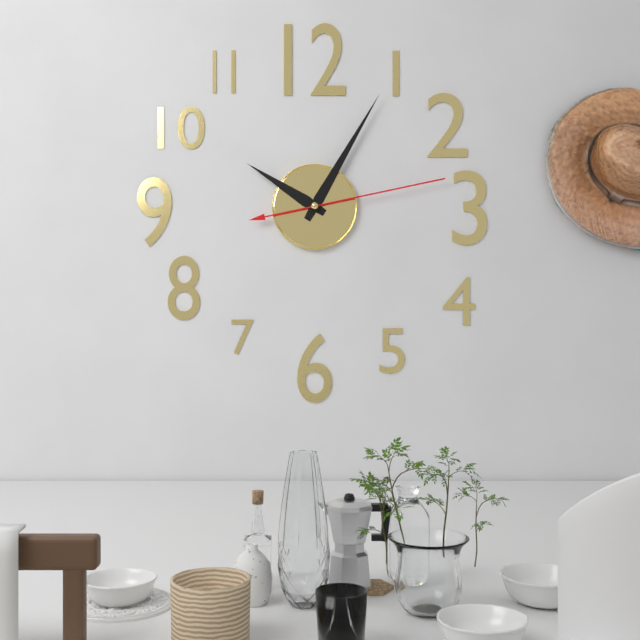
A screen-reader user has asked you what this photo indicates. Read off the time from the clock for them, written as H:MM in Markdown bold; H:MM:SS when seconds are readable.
**10:05:13**
